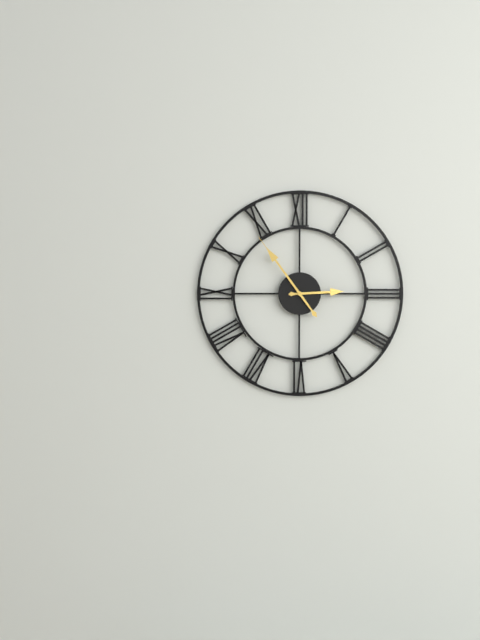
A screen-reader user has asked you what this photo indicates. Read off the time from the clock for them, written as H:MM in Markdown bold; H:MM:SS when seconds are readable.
**2:54**
